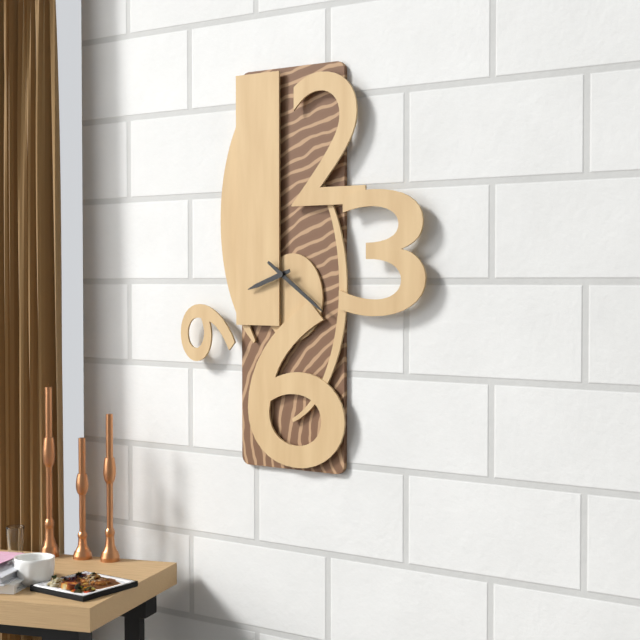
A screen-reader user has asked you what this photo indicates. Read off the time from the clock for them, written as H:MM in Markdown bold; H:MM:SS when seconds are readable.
**8:21**
